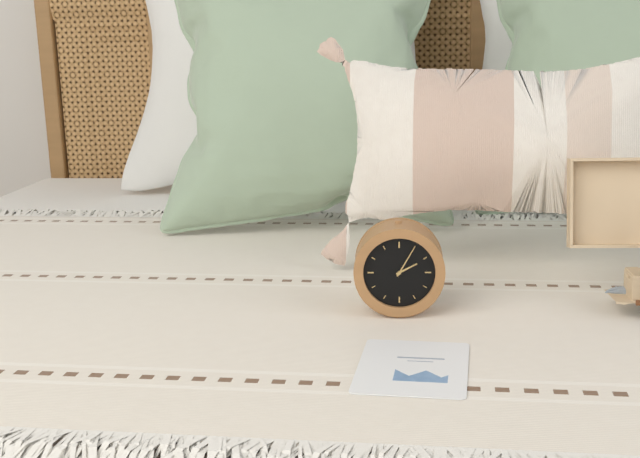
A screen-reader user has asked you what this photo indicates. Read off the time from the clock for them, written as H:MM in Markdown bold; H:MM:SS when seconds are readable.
**2:05**
